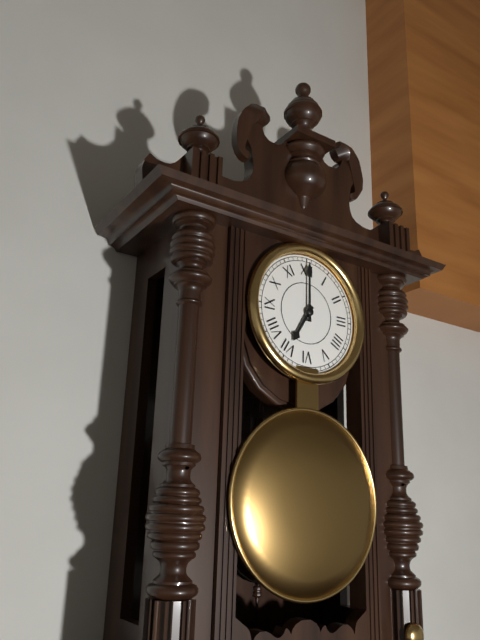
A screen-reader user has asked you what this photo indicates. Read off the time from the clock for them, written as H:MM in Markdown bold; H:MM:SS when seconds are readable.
**7:00**
